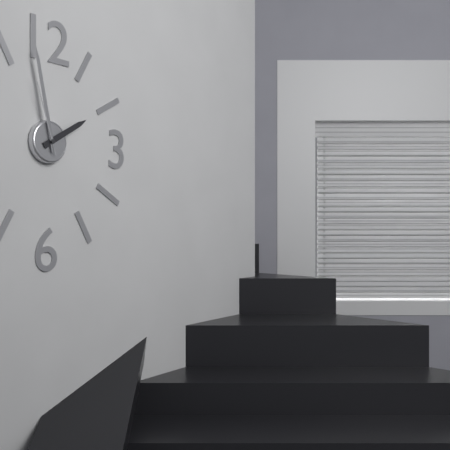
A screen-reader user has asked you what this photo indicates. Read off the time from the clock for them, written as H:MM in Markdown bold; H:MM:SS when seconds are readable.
**1:58:57**
